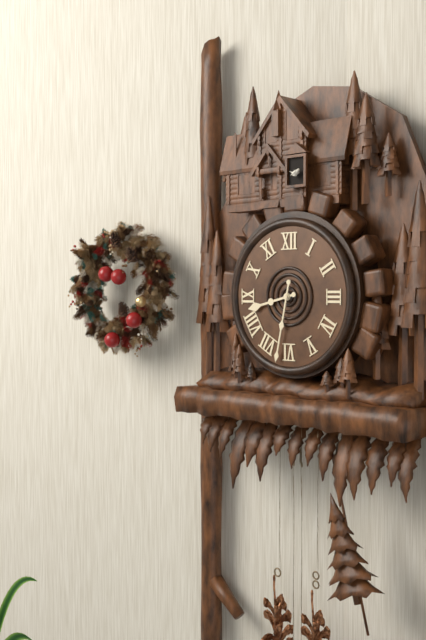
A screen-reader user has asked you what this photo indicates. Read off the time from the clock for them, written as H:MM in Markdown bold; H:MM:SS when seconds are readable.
**8:32**
